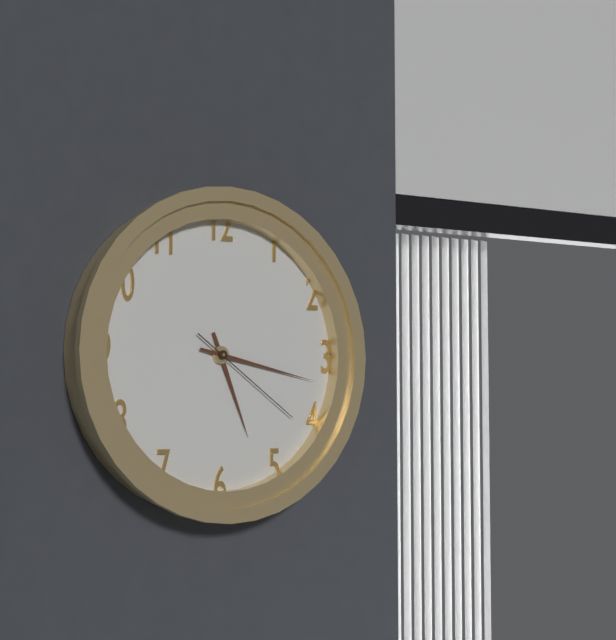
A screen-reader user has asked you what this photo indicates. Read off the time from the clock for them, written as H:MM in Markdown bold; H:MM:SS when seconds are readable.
**5:17:21**
